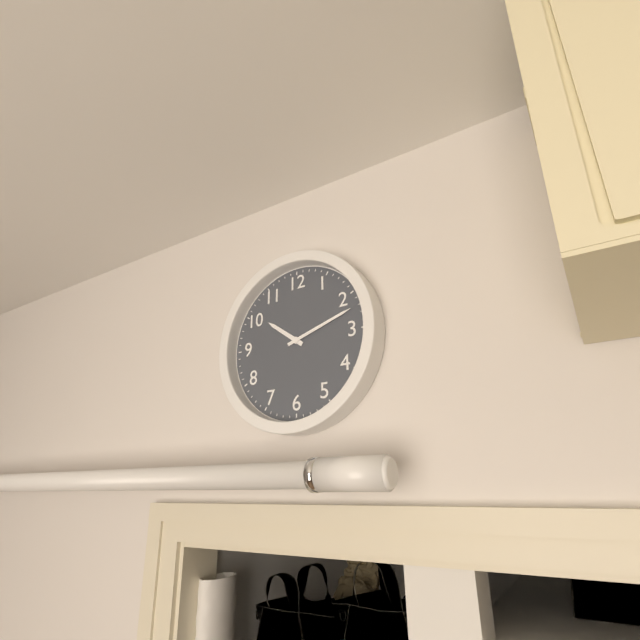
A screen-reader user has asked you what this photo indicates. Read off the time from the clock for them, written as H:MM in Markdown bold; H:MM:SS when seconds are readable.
**10:12**
